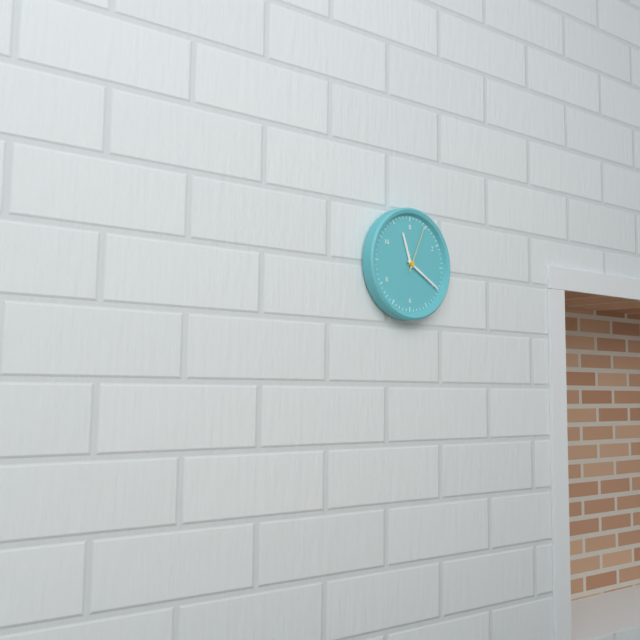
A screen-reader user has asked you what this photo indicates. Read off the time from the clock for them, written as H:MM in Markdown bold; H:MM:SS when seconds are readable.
**11:20:04**
